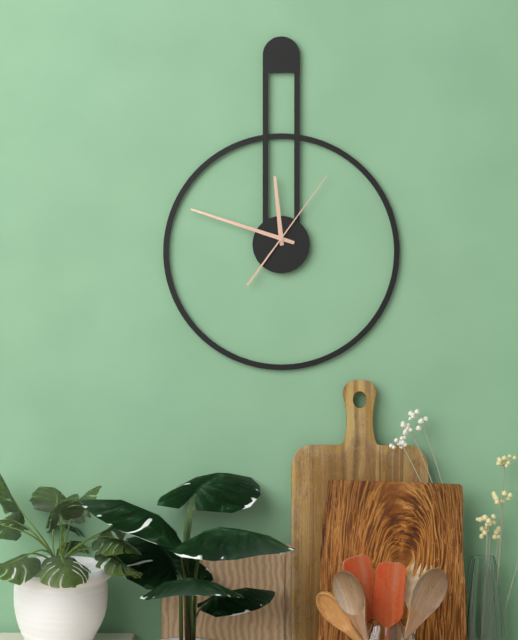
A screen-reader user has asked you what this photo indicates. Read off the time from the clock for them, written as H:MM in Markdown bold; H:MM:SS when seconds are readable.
**11:48:06**
